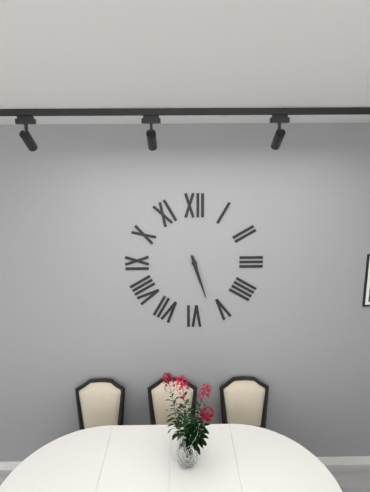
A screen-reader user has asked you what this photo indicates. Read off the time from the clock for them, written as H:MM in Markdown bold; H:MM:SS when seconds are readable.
**5:27**
